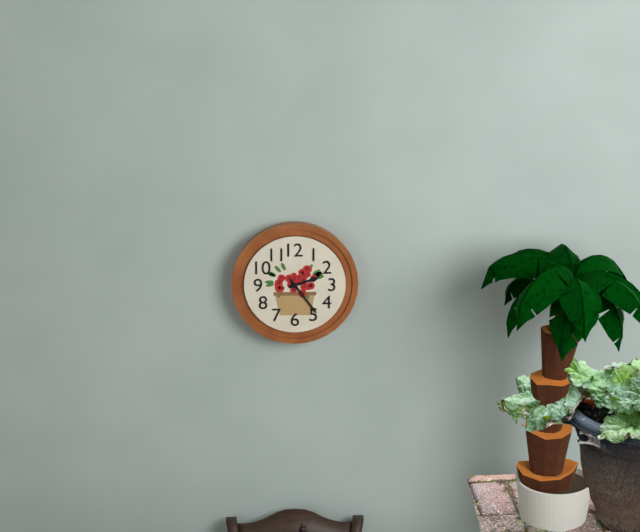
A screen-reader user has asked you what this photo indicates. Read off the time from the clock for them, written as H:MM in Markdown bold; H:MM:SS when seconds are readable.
**2:24**
